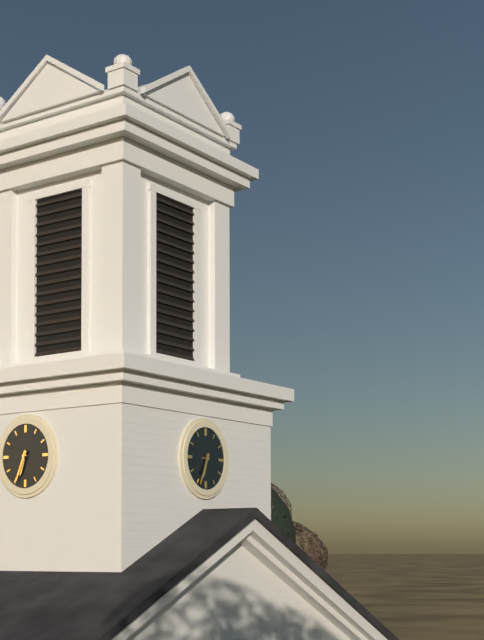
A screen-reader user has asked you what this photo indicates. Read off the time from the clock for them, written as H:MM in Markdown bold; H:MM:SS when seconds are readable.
**6:34**
